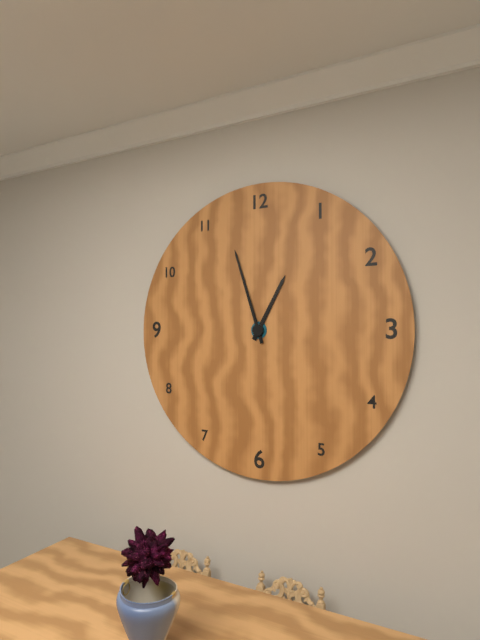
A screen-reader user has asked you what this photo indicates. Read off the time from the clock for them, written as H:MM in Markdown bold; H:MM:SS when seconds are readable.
**12:57**
